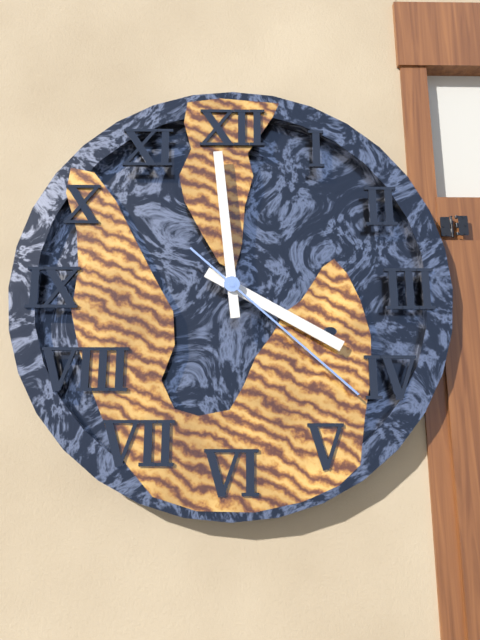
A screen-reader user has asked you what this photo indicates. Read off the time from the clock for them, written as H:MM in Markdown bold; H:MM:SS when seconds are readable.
**3:59:22**
